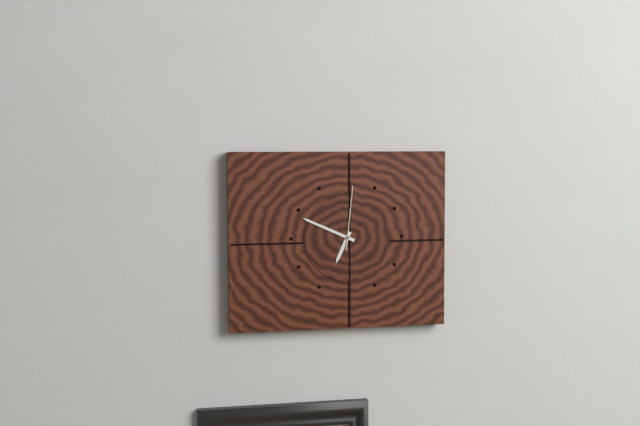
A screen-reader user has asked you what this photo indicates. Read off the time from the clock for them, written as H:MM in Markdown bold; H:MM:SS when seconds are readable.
**6:49:01**
